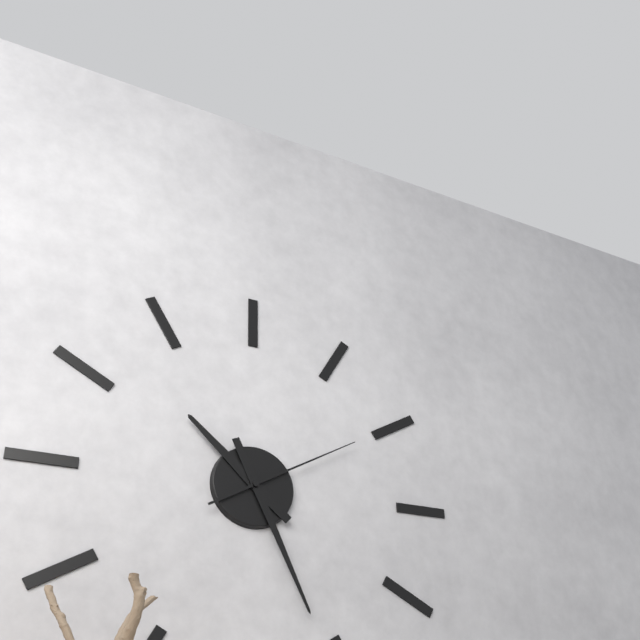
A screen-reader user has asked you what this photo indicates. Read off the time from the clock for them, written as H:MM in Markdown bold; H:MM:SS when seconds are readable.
**10:26:10**
